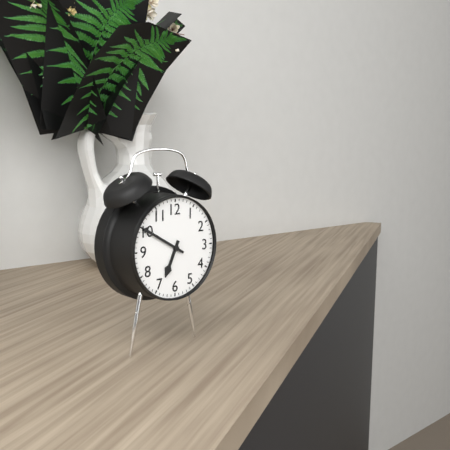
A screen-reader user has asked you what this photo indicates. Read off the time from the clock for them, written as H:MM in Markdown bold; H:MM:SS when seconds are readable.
**6:50**
